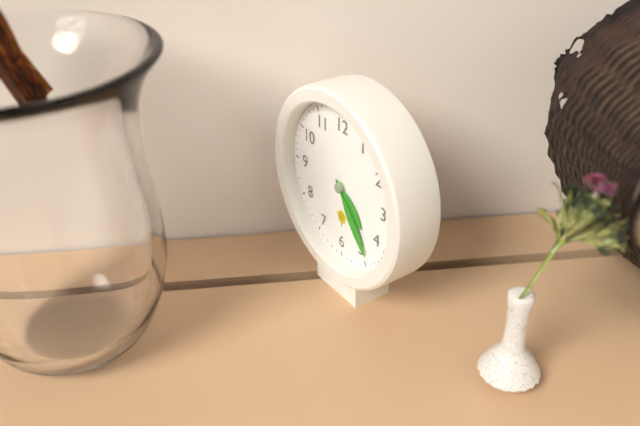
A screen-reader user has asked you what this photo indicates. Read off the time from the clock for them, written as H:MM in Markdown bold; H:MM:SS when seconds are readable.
**4:24**
